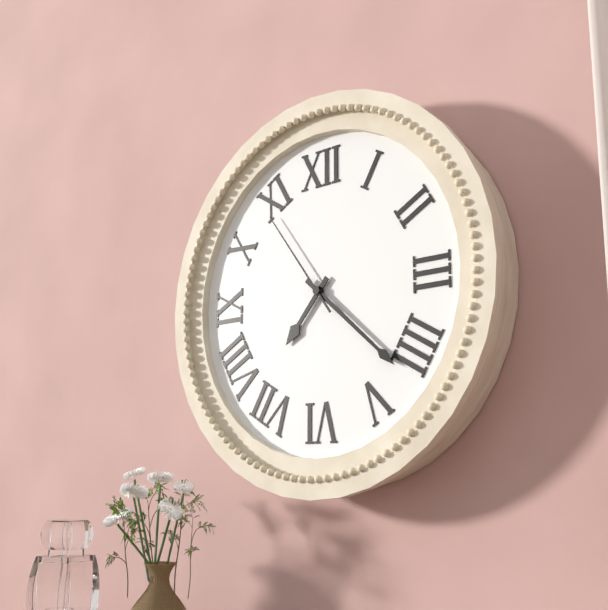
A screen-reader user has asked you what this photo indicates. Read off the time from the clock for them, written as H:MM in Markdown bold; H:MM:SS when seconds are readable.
**7:22:54**
